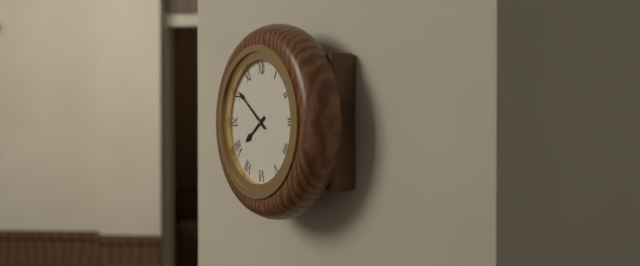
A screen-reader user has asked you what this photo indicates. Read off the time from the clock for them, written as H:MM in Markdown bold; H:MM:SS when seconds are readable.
**7:51**
